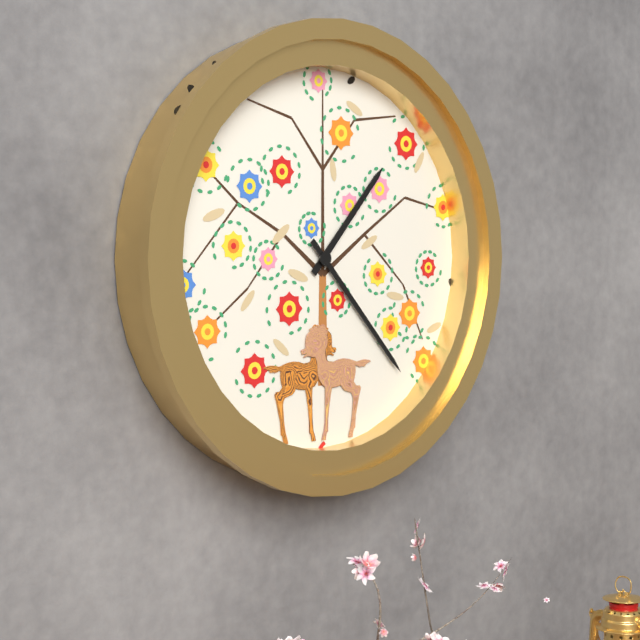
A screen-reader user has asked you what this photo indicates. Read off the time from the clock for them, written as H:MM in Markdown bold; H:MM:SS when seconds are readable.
**1:23**
